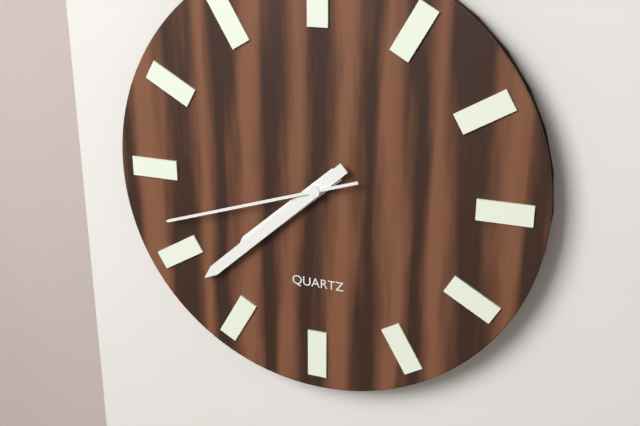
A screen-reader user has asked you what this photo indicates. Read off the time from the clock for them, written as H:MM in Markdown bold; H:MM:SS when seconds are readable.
**7:38:42**
